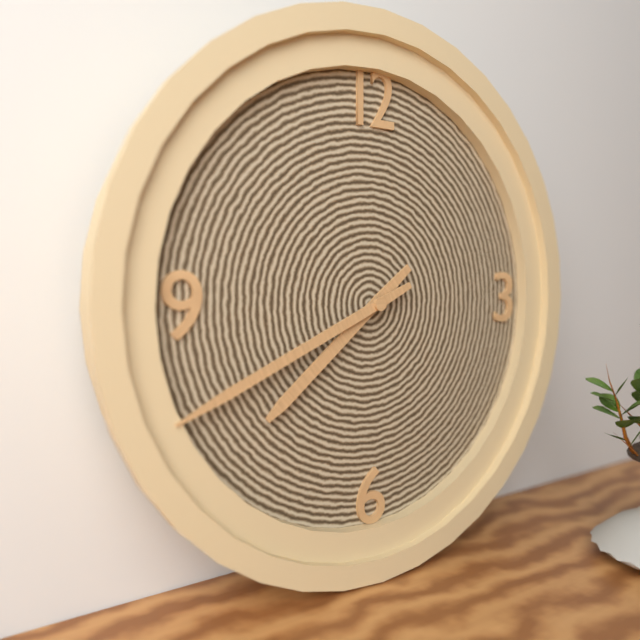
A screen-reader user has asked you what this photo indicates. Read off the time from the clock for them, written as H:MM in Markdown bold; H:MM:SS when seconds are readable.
**7:41**
